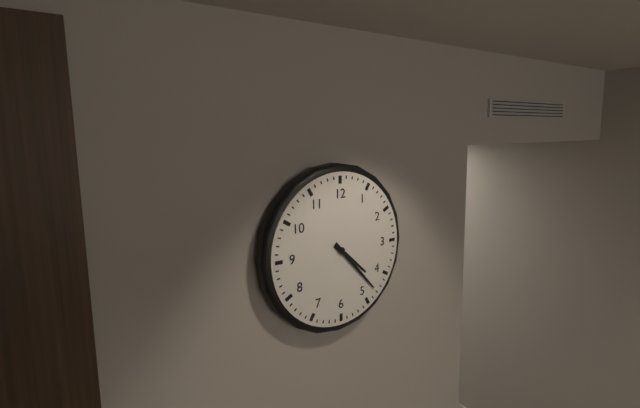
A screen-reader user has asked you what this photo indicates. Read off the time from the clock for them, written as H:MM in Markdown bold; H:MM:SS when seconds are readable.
**4:23**
